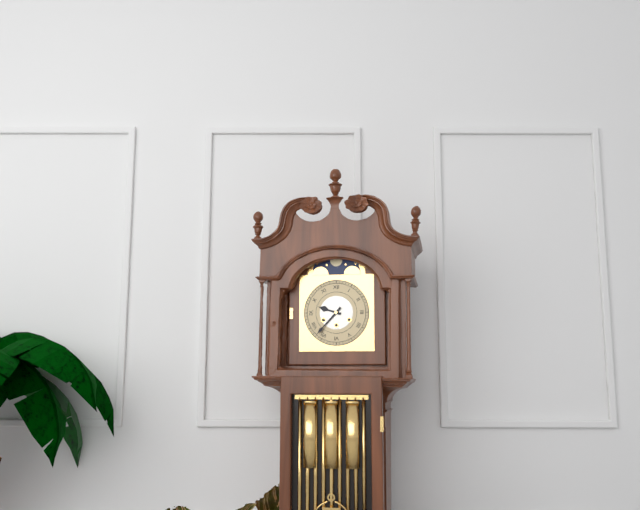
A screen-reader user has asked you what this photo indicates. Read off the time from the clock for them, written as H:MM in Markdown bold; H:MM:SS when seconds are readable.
**9:37**
